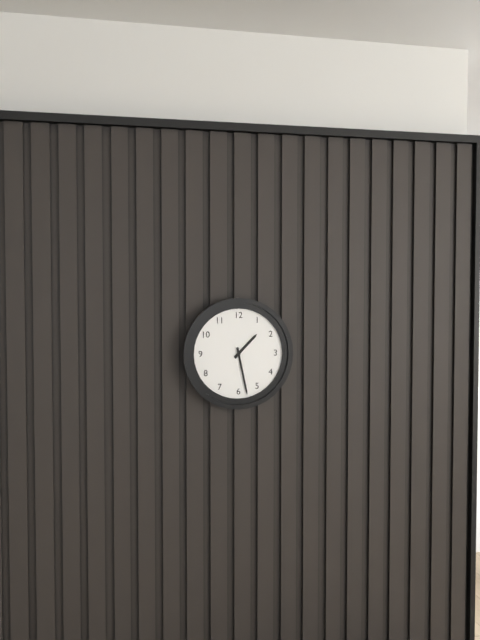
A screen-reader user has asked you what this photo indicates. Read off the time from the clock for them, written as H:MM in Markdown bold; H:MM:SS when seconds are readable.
**1:28**
